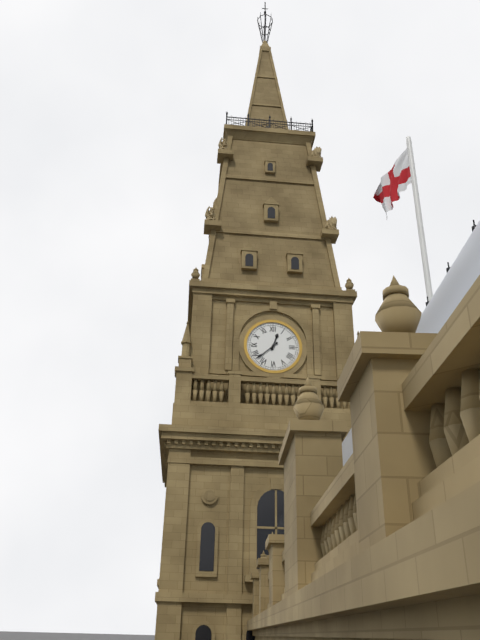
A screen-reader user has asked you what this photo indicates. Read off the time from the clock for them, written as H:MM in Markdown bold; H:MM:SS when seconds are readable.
**12:38**
